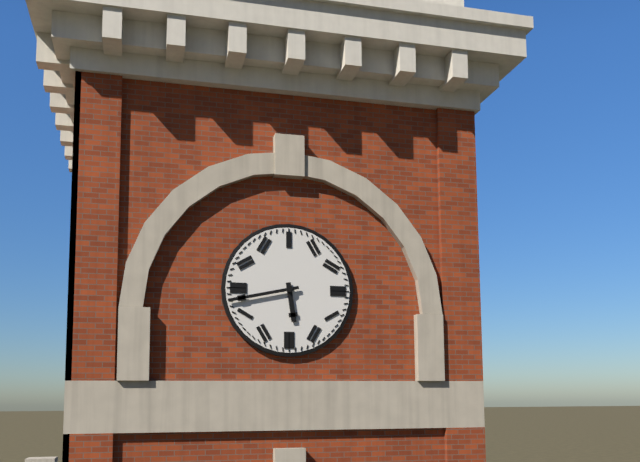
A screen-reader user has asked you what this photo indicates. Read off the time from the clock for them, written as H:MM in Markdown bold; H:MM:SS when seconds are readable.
**5:43**
